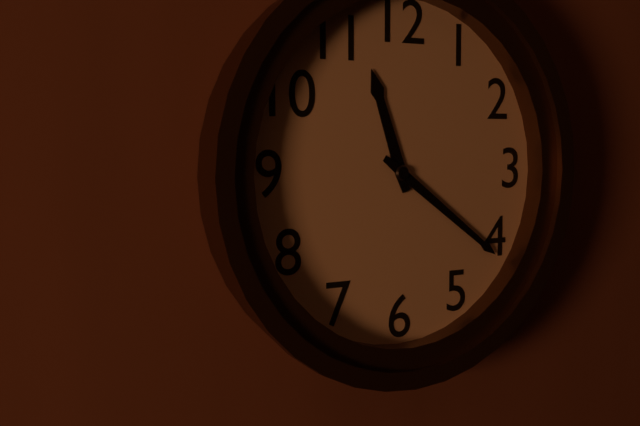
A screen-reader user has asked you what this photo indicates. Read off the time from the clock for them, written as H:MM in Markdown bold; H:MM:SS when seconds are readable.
**11:21**
